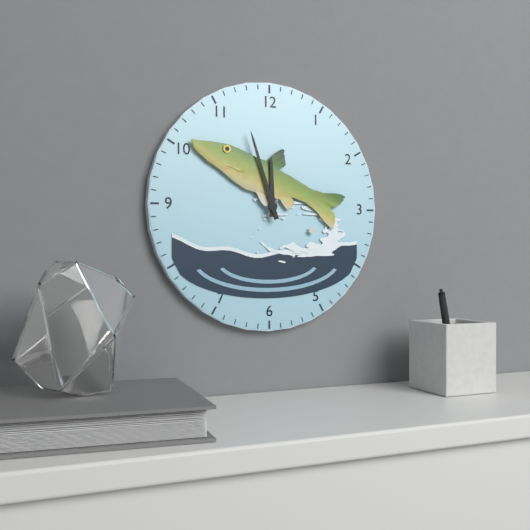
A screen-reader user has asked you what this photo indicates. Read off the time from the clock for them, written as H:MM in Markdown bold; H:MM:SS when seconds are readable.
**11:57**
